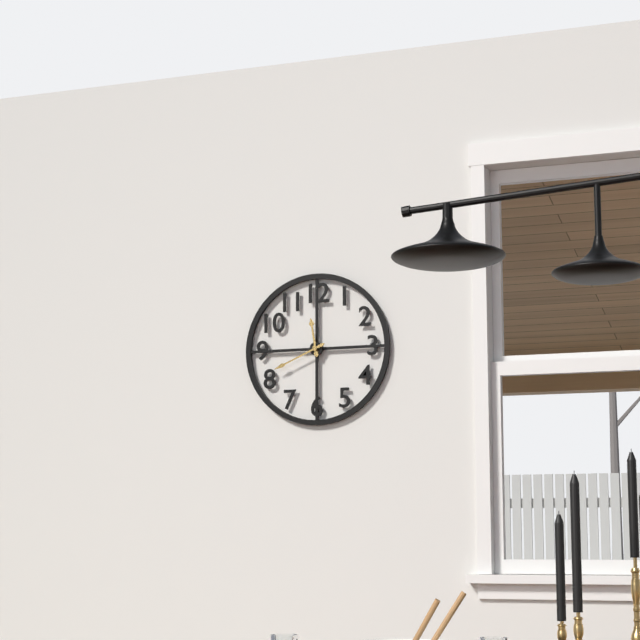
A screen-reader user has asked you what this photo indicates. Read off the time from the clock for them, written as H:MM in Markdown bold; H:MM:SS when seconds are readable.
**11:41**
